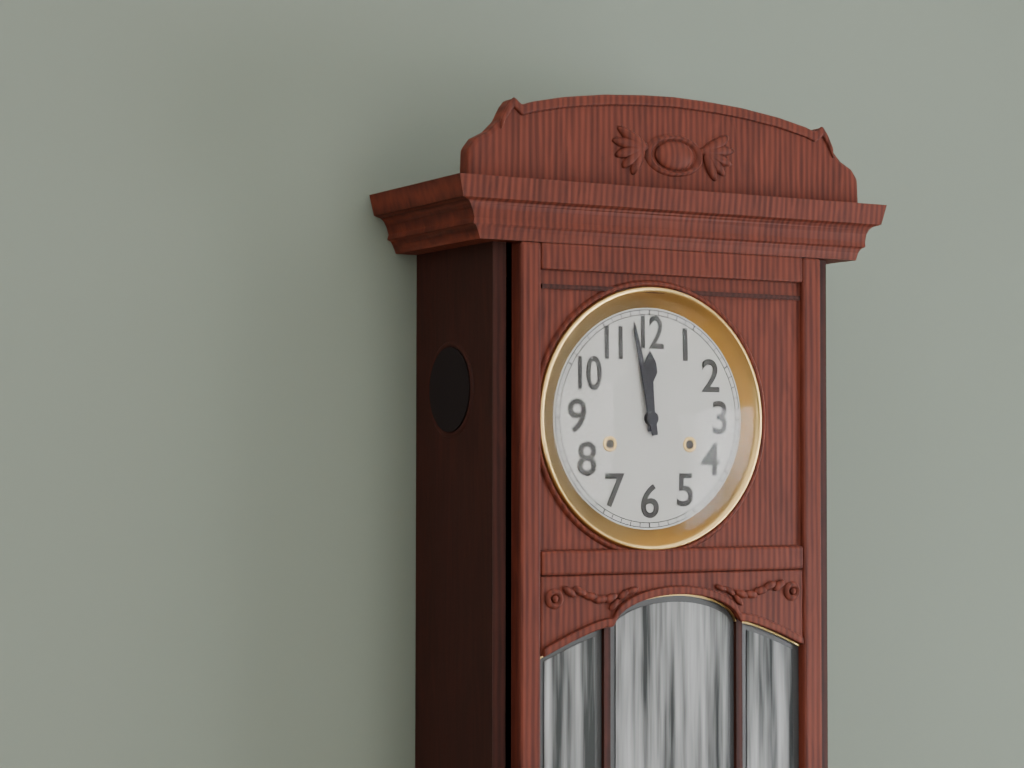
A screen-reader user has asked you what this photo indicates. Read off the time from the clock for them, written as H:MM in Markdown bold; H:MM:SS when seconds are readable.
**11:58**
